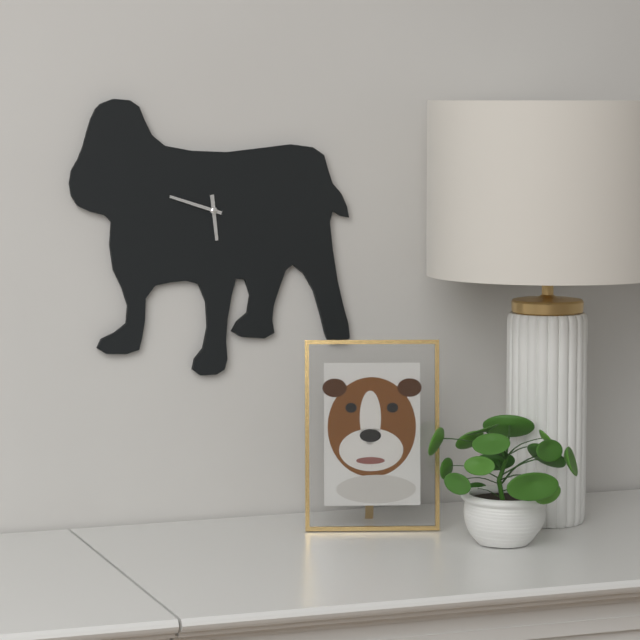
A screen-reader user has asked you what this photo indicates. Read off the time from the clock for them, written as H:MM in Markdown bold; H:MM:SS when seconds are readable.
**5:48**
